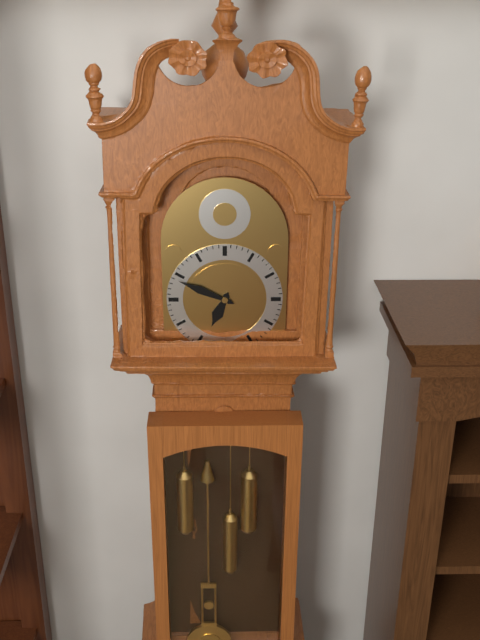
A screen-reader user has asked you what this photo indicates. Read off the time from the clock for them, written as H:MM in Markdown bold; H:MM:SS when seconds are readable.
**6:49**
